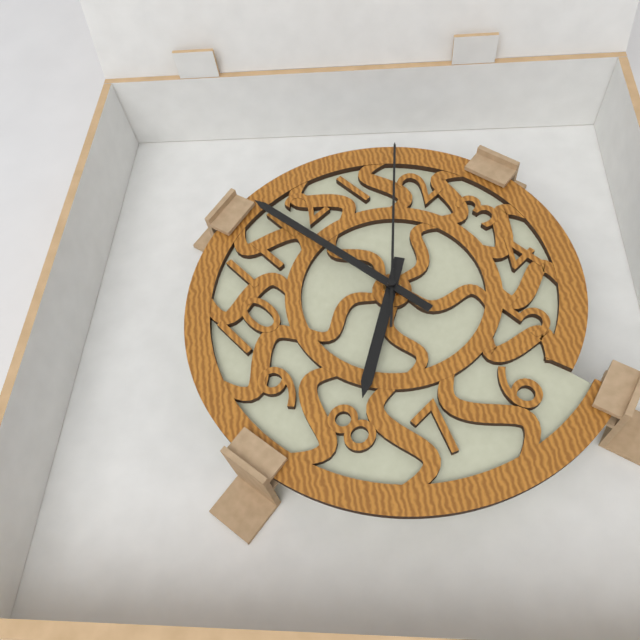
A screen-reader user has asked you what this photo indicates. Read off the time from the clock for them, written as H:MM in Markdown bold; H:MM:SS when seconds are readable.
**7:59:08**
